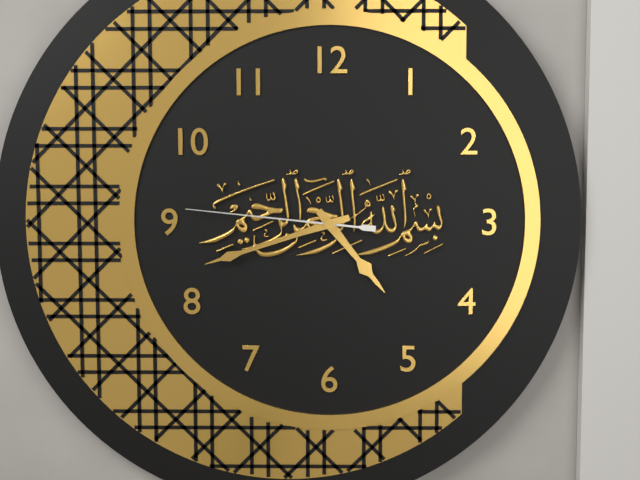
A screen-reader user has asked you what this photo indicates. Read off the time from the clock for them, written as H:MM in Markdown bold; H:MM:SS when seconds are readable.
**4:42:46**
